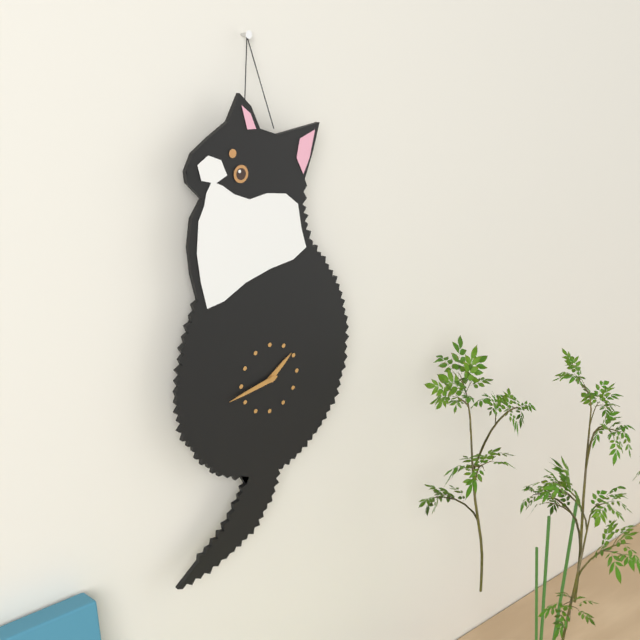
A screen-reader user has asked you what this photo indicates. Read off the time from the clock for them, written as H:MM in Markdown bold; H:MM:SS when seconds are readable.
**1:43**
